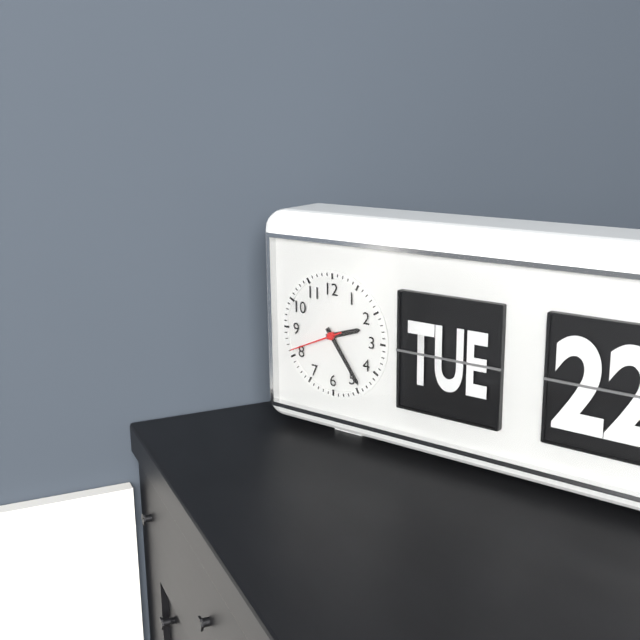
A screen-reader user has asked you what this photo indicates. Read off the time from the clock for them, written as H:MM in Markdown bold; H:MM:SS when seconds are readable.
**2:24:41**
